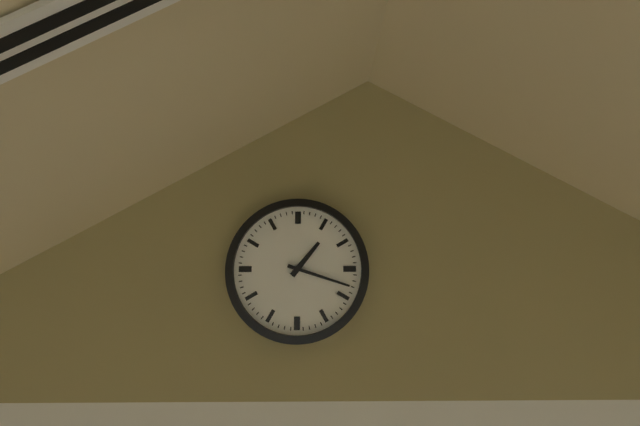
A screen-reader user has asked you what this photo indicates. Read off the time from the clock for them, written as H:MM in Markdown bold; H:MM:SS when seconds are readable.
**1:18**
